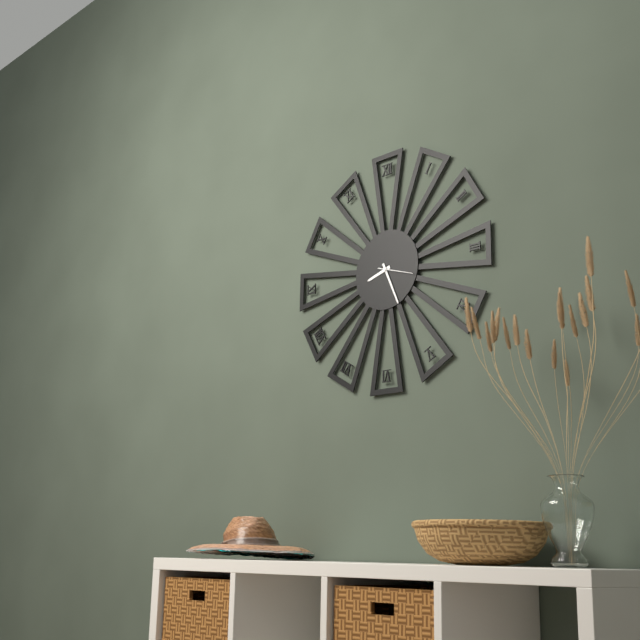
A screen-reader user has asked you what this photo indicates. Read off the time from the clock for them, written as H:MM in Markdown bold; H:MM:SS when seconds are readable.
**8:26**
